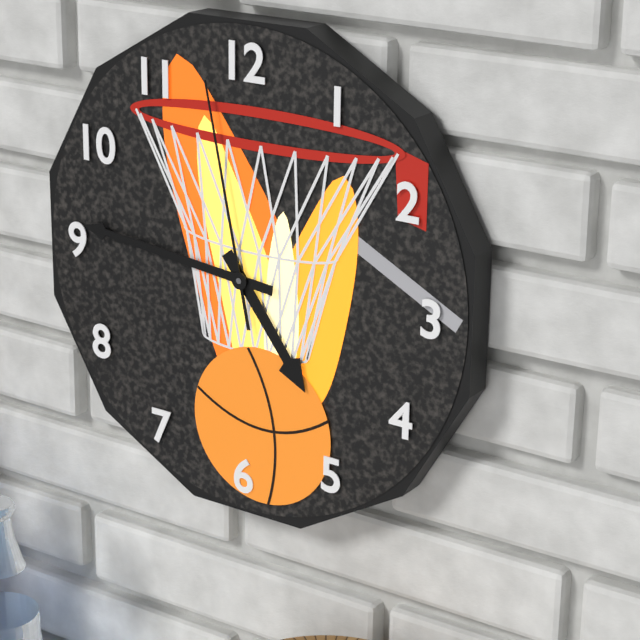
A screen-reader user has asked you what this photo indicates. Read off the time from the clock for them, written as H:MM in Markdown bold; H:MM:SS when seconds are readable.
**4:46:58**
